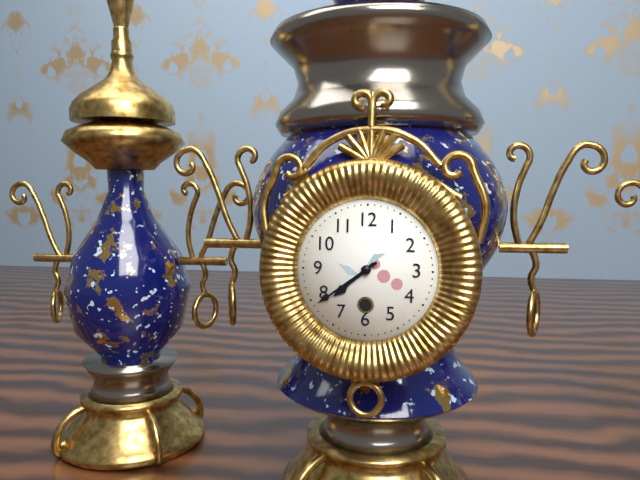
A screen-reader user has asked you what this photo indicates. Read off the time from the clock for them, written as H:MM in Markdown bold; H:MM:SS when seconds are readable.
**7:39**
